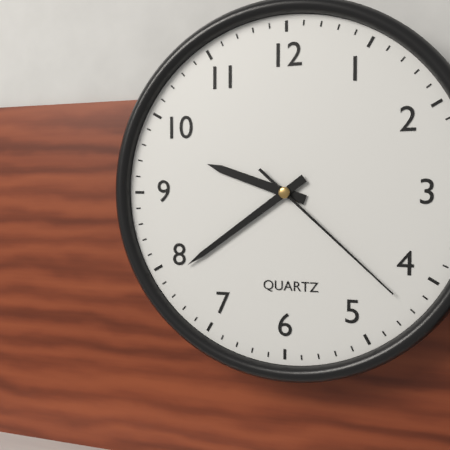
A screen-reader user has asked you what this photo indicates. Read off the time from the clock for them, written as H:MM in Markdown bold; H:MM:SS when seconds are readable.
**9:39:22**
